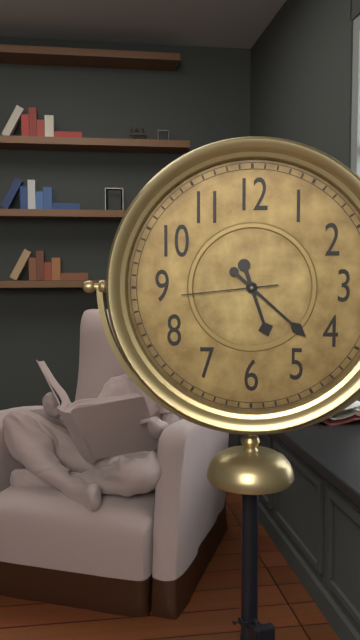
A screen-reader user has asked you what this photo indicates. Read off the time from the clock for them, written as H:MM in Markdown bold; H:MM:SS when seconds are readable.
**5:22:44**
